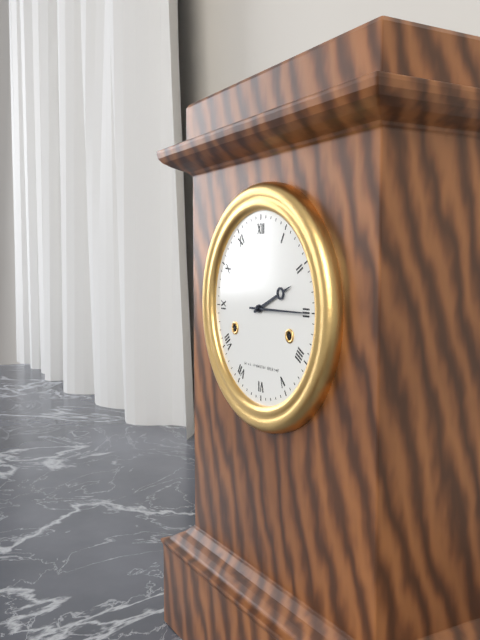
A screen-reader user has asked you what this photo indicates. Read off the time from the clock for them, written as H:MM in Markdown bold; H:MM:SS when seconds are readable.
**2:15**
